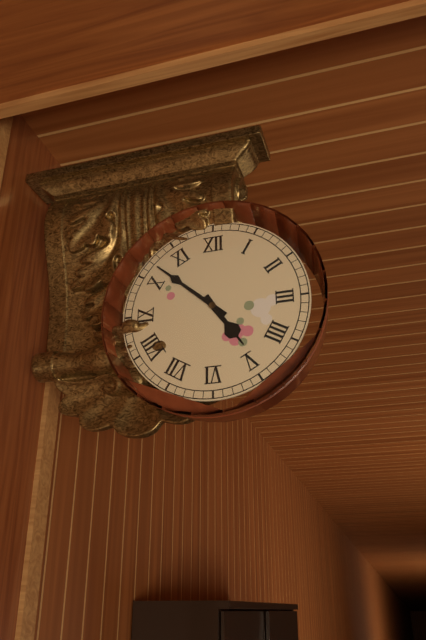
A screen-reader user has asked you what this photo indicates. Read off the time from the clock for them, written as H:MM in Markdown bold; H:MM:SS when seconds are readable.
**4:52**
